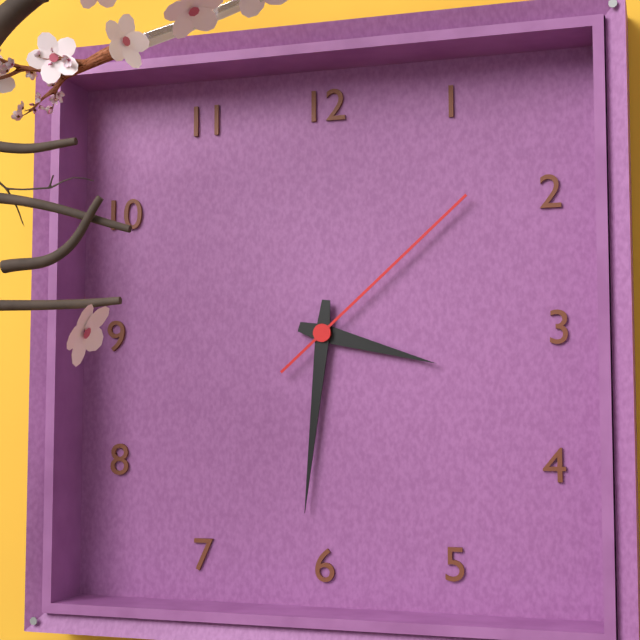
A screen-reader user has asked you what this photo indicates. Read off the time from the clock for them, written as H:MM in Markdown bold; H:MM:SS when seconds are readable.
**3:31:08**
